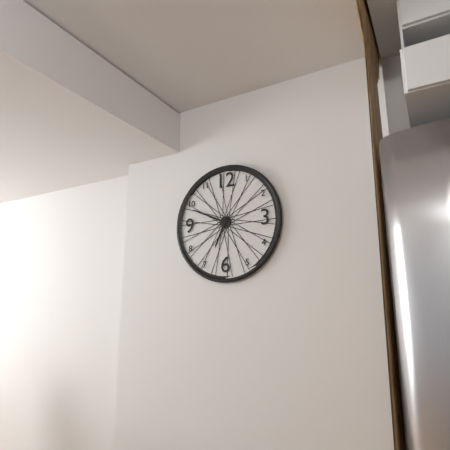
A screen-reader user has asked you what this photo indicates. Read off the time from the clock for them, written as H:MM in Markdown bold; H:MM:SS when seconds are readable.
**6:49**
